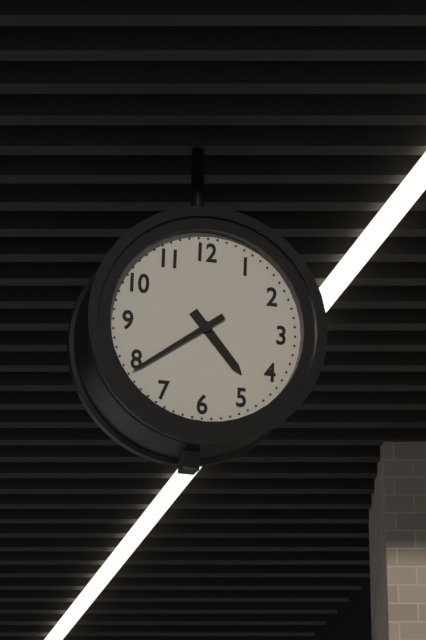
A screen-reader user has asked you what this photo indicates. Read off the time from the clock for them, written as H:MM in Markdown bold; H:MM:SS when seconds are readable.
**4:39**
